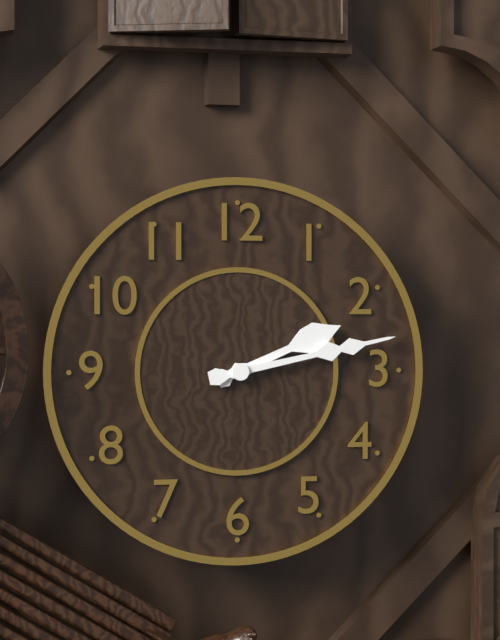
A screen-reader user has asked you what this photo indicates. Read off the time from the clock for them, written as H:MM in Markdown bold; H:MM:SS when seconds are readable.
**2:13**
